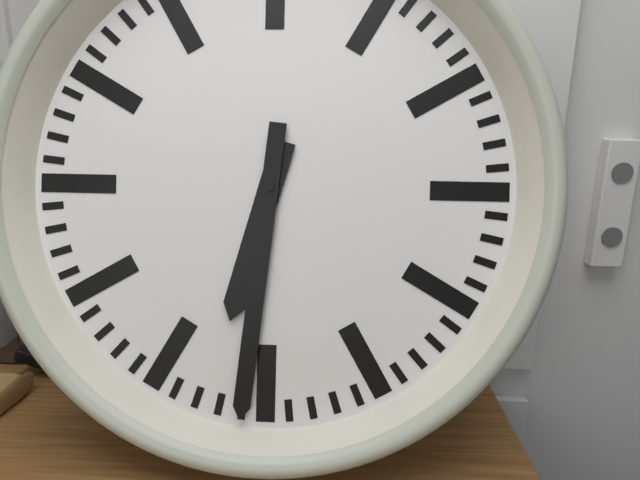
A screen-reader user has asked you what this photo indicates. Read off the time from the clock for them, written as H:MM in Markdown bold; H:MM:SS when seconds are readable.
**6:31**
